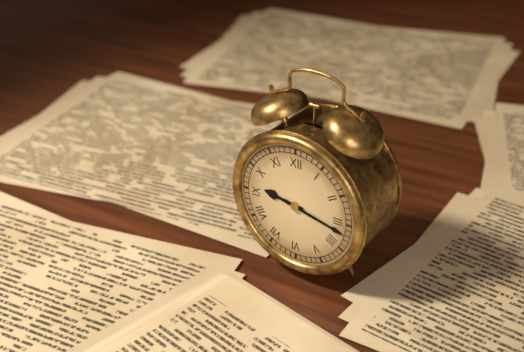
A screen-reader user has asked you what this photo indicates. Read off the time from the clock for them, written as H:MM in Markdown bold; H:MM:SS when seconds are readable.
**9:17**
